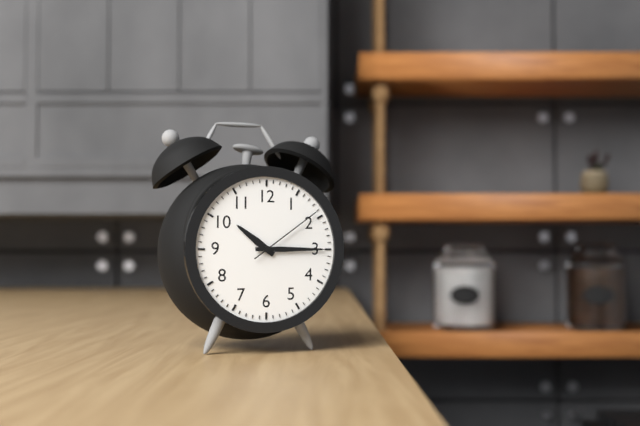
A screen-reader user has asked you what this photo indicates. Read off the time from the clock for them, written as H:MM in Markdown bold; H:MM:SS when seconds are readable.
**10:15:09**
